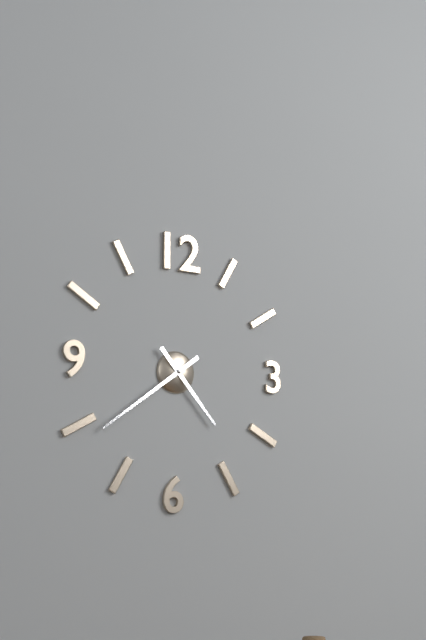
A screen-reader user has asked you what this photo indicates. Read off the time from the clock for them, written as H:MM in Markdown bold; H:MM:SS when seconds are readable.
**4:39**
